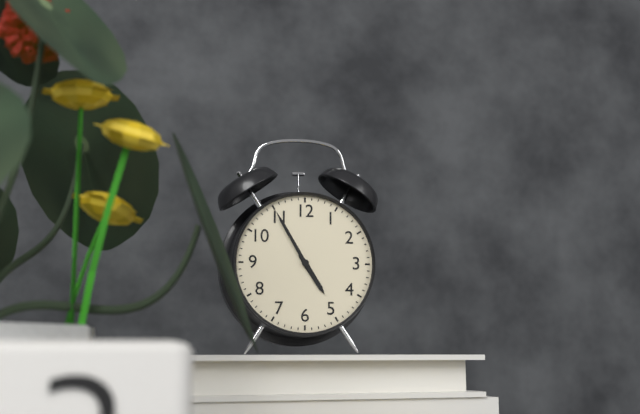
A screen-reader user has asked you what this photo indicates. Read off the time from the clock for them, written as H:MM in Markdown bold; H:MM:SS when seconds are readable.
**4:55**
